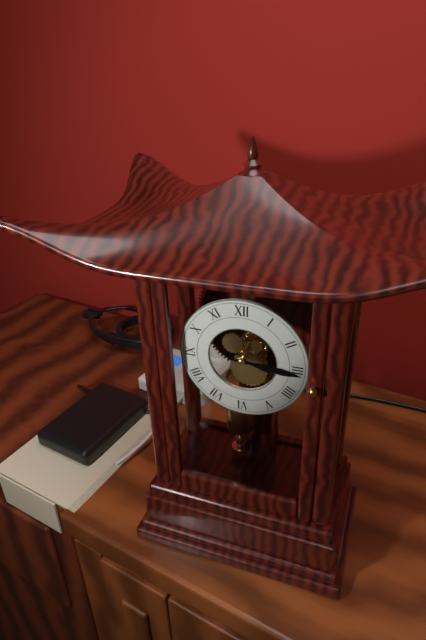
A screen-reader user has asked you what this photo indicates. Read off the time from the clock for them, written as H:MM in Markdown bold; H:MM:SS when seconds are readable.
**3:16**
